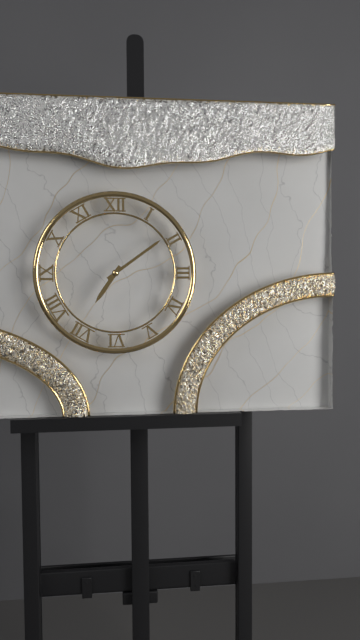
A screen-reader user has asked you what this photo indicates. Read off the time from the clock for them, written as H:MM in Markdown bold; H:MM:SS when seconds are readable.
**7:09**
